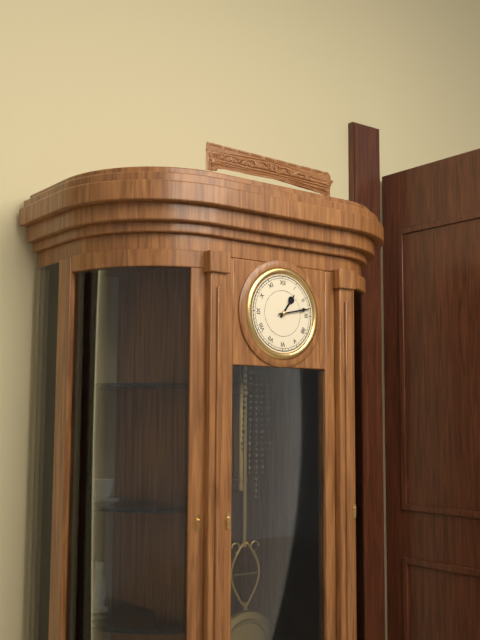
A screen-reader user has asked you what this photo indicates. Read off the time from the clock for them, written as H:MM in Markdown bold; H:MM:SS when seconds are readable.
**1:13**
